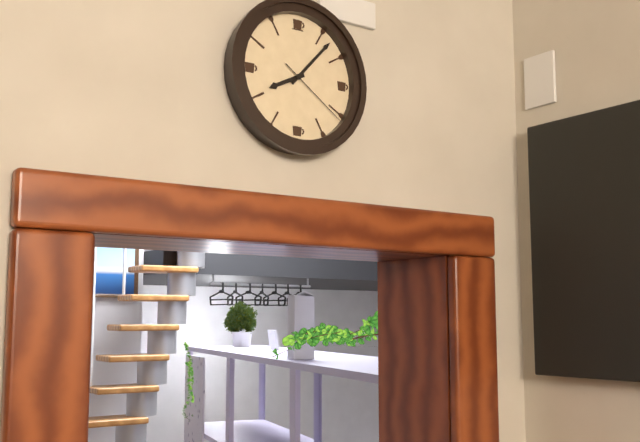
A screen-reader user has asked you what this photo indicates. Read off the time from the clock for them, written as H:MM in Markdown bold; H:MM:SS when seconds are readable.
**8:07:21**
